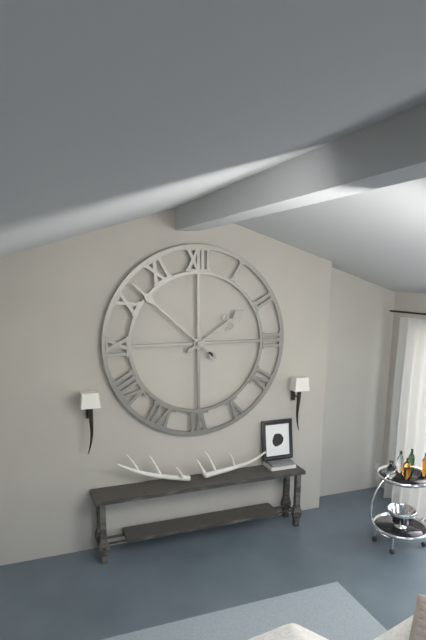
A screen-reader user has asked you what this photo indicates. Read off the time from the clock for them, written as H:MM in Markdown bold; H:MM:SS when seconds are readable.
**1:52**
